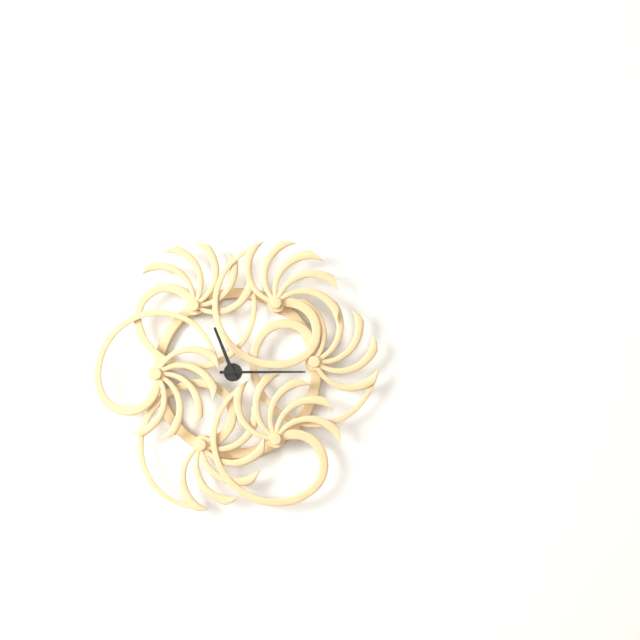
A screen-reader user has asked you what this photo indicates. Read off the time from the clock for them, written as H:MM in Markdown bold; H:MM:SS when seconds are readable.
**11:15**
